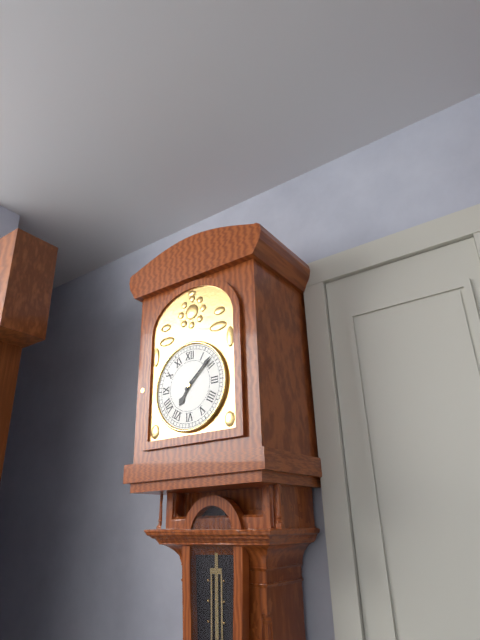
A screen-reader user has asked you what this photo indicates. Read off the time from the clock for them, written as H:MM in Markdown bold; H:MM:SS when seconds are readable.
**7:08**
